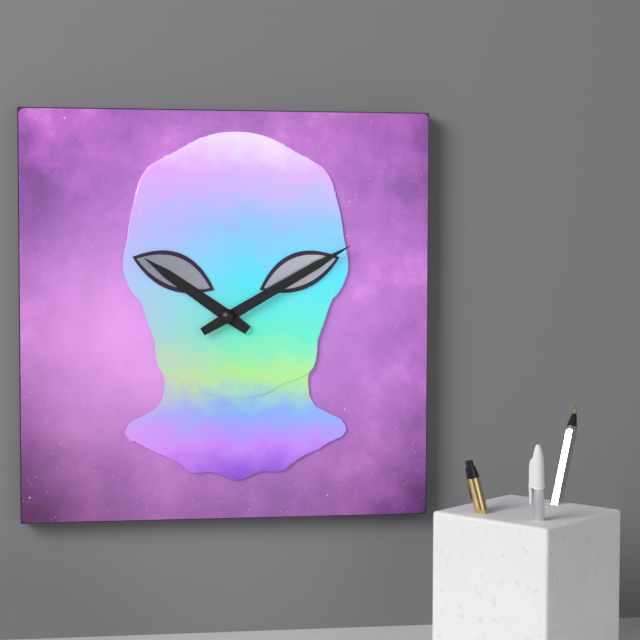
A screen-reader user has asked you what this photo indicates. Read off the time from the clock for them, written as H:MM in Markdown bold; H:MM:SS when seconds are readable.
**10:10**
